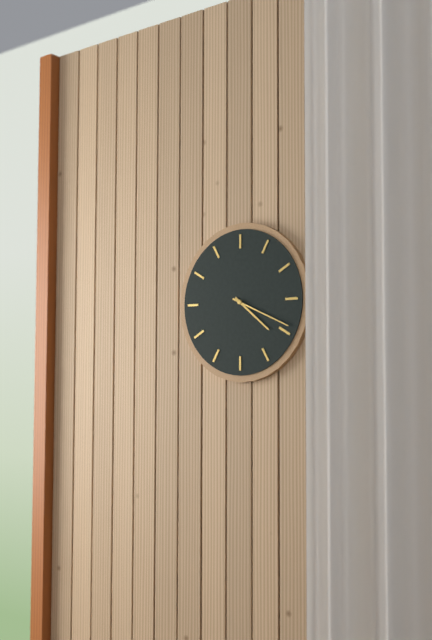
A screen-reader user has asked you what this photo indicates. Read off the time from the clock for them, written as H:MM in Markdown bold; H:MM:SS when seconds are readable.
**4:19**
